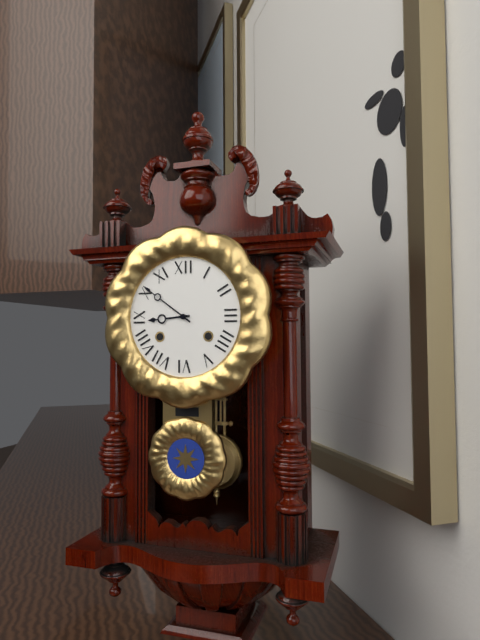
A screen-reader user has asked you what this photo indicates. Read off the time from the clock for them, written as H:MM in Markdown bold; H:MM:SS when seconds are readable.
**8:51**
